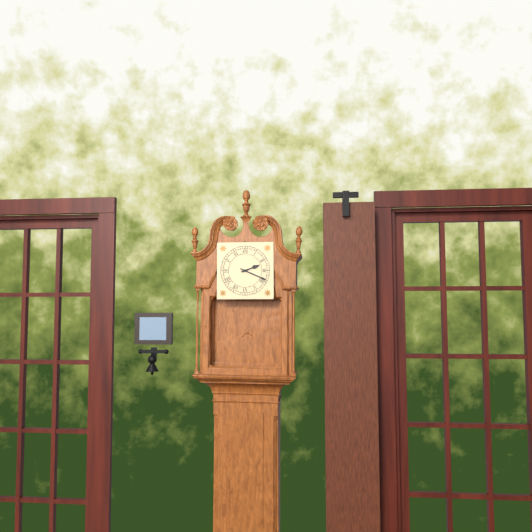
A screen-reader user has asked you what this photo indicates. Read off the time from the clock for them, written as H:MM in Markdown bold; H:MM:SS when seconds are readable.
**2:19**
